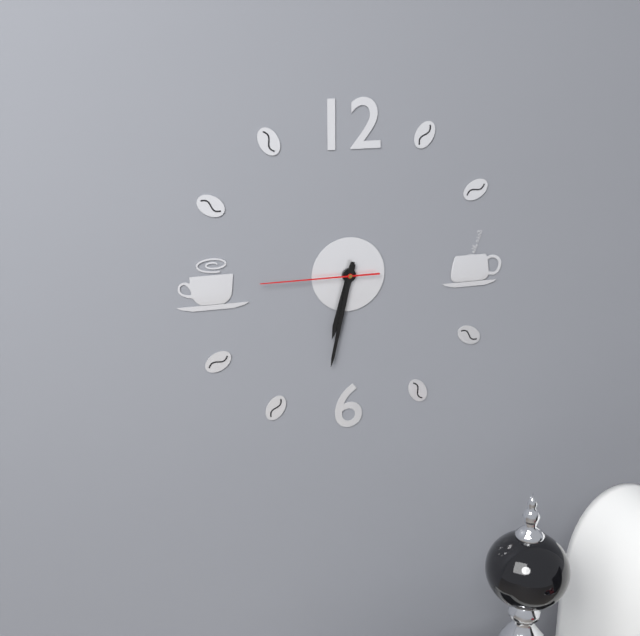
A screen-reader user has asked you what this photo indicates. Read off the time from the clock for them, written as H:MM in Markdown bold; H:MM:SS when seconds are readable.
**6:32:45**
